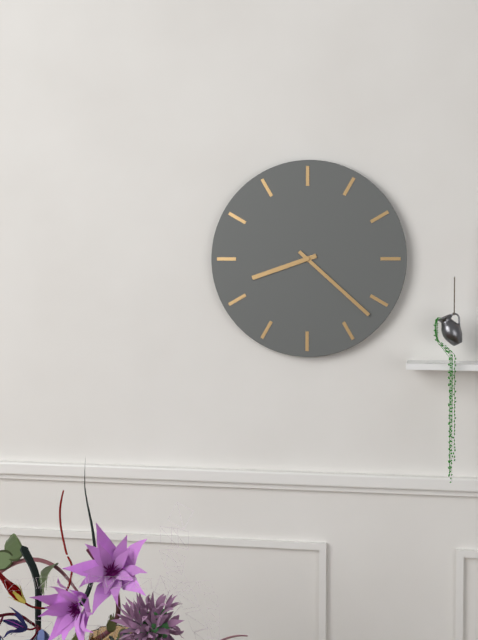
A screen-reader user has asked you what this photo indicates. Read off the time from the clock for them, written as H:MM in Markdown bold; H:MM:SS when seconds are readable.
**8:22**
